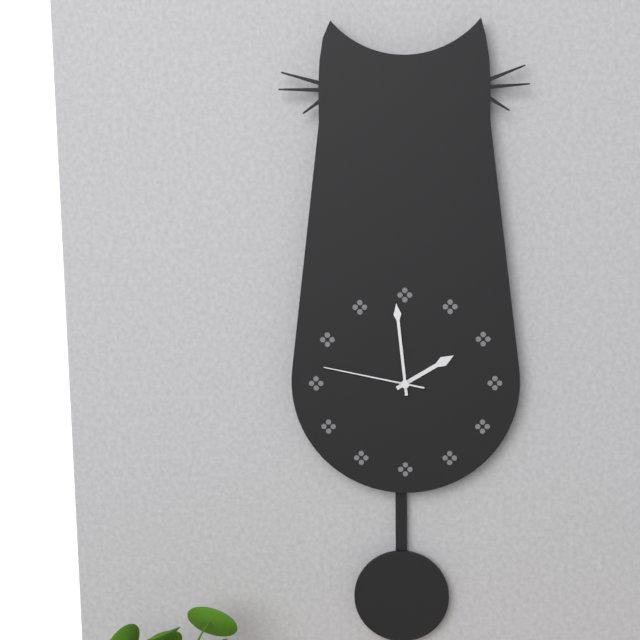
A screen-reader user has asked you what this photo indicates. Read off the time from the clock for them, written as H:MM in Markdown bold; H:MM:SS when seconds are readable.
**1:59:47**
